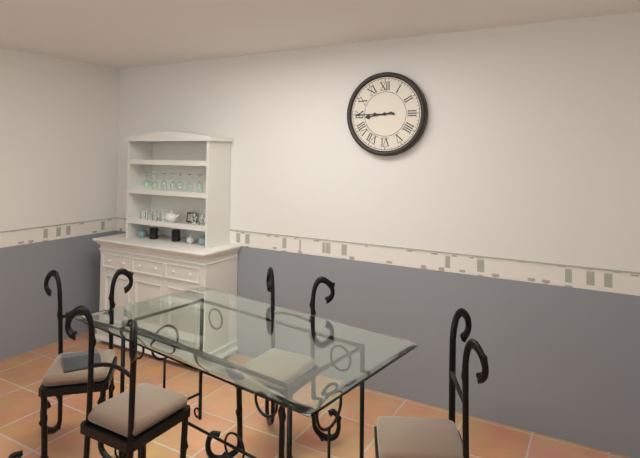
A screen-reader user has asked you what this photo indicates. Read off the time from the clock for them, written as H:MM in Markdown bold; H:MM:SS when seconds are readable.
**8:45**
